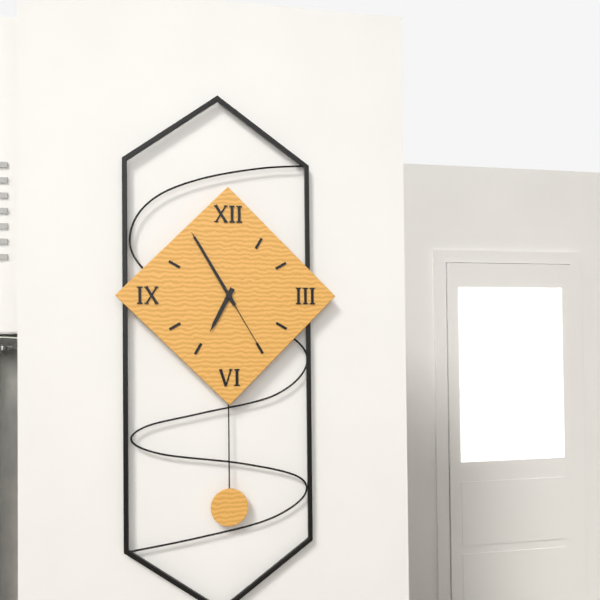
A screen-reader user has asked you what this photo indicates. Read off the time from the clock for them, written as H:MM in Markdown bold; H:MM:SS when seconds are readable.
**6:55:25**
